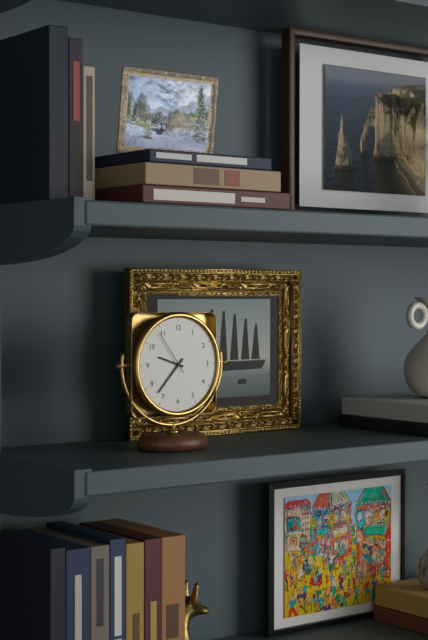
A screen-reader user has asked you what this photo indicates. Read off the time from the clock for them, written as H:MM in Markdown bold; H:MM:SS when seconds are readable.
**9:37**
